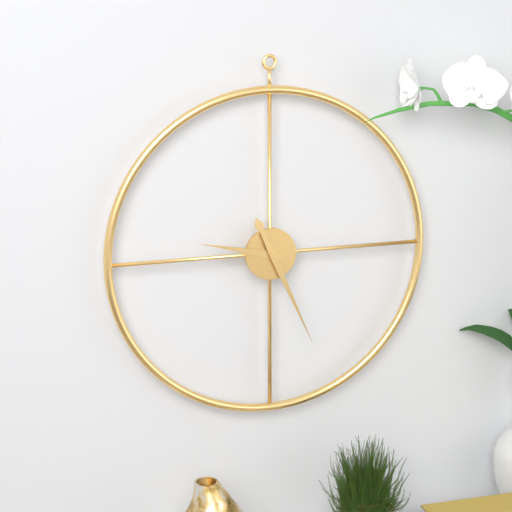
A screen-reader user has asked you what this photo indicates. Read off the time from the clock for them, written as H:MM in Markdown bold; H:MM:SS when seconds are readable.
**9:26**
